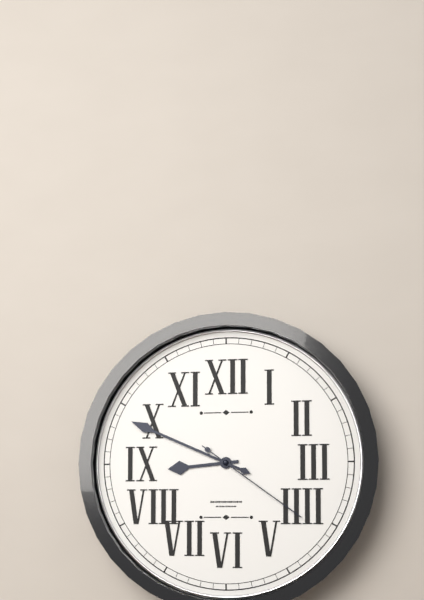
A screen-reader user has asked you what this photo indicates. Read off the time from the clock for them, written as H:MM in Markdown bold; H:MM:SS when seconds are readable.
**8:49:21**
